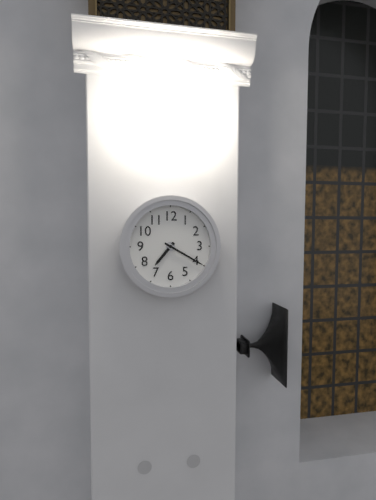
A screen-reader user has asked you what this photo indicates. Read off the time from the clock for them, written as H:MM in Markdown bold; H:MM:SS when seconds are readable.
**7:20**
